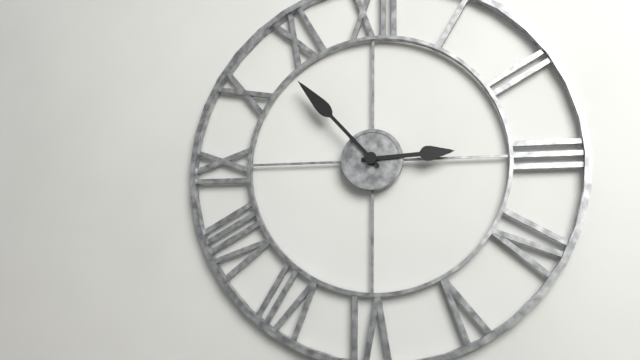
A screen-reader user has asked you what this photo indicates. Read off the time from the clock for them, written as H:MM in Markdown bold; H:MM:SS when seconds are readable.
**2:53**
